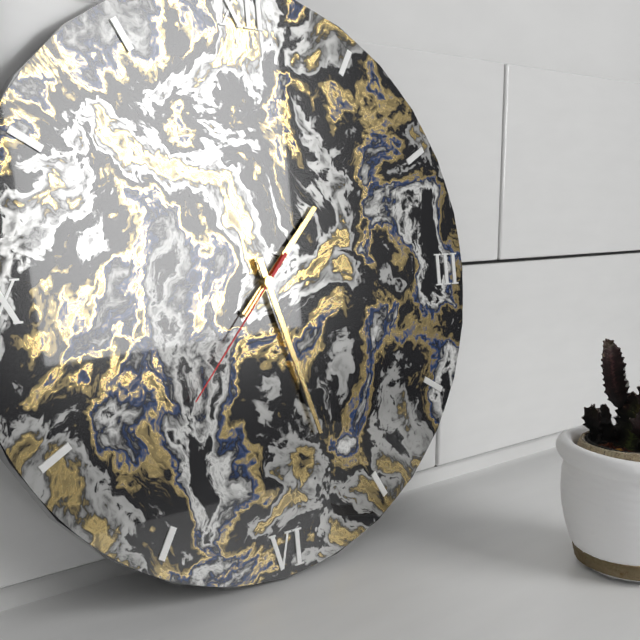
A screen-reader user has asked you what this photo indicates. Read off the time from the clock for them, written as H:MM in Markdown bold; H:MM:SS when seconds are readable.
**1:27:37**
